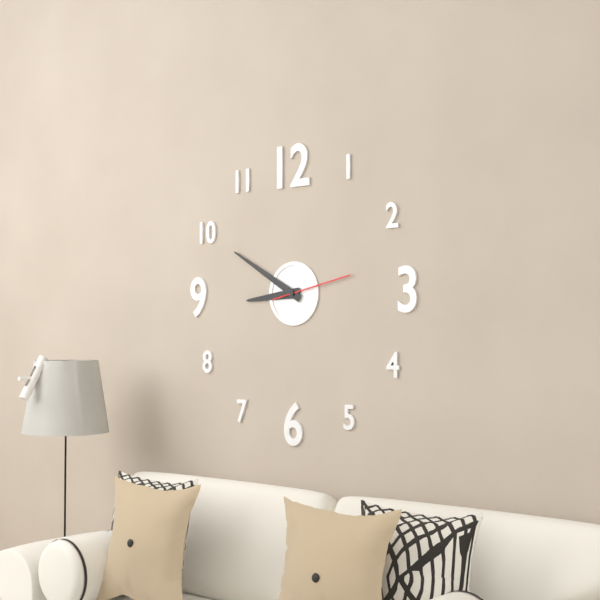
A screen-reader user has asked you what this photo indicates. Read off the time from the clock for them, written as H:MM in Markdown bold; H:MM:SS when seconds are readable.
**8:50:13**
